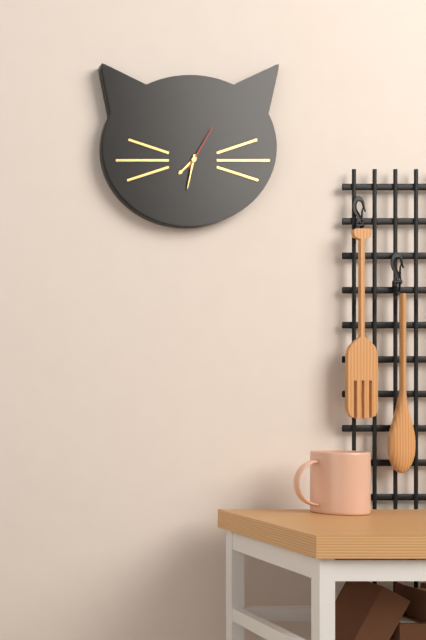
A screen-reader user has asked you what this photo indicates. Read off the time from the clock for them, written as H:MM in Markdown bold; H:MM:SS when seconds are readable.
**7:32:05**
